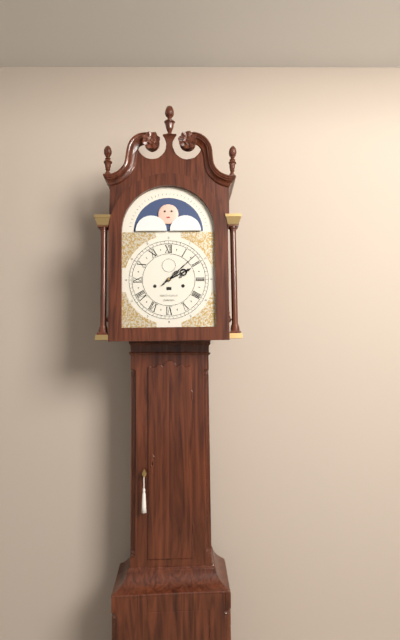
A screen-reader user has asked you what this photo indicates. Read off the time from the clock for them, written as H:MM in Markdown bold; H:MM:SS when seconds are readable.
**2:08**
